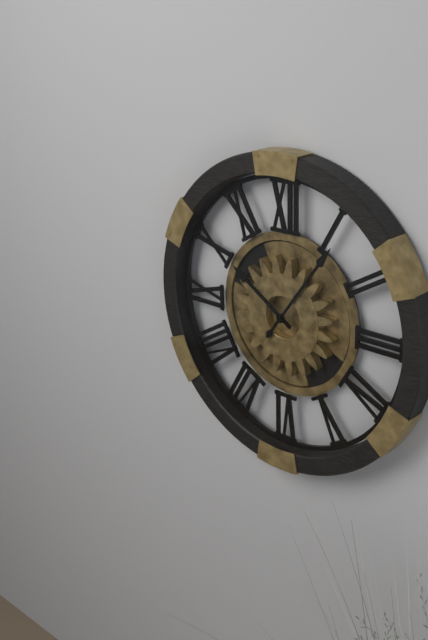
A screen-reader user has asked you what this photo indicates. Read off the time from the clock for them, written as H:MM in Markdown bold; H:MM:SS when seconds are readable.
**10:06**
